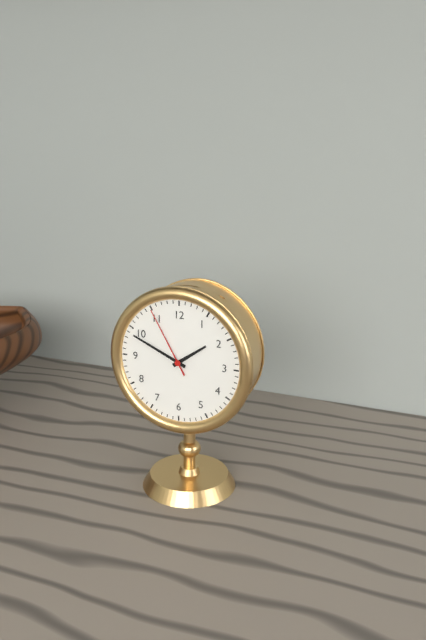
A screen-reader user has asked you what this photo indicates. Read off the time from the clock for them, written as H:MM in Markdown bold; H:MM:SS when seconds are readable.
**1:49:55**
